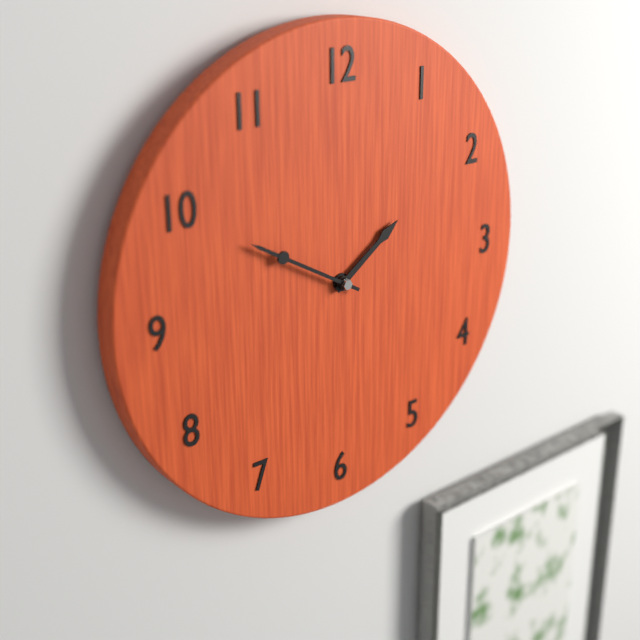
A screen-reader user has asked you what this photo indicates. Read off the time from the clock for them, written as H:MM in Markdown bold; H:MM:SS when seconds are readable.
**1:50**
